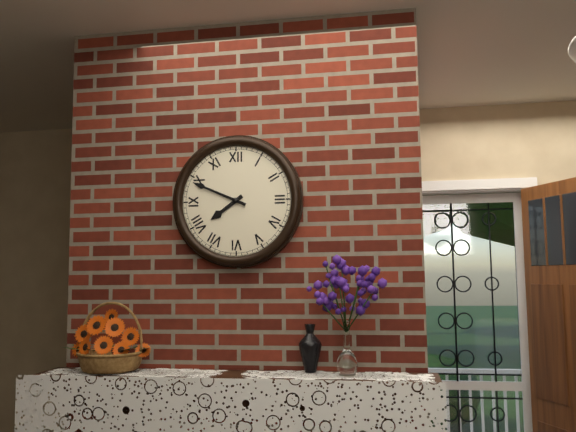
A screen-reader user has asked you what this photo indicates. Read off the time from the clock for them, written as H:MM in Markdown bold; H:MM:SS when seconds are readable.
**7:49**
